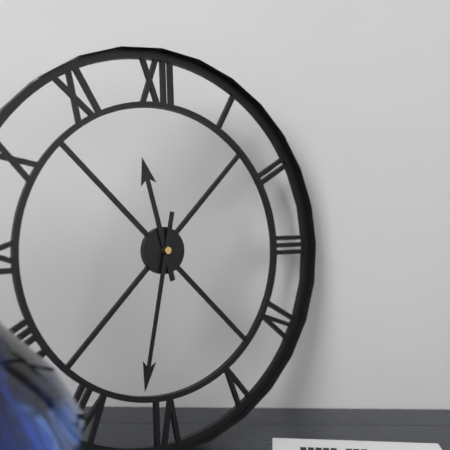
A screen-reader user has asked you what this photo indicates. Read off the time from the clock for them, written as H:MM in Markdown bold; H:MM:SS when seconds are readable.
**11:32**
